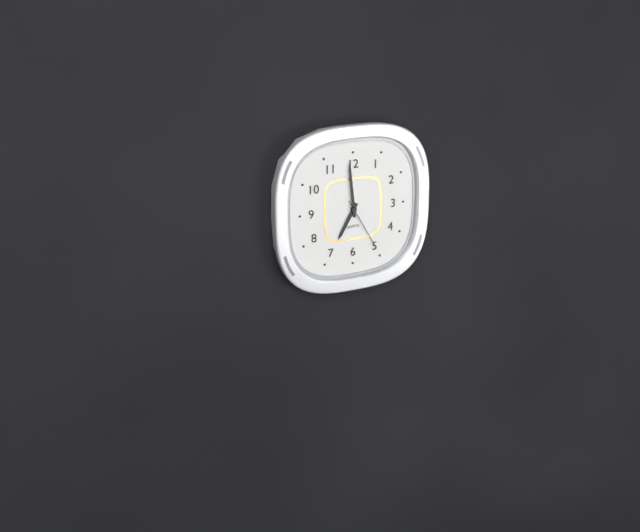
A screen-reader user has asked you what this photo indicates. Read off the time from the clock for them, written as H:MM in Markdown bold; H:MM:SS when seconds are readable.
**6:59:25**
